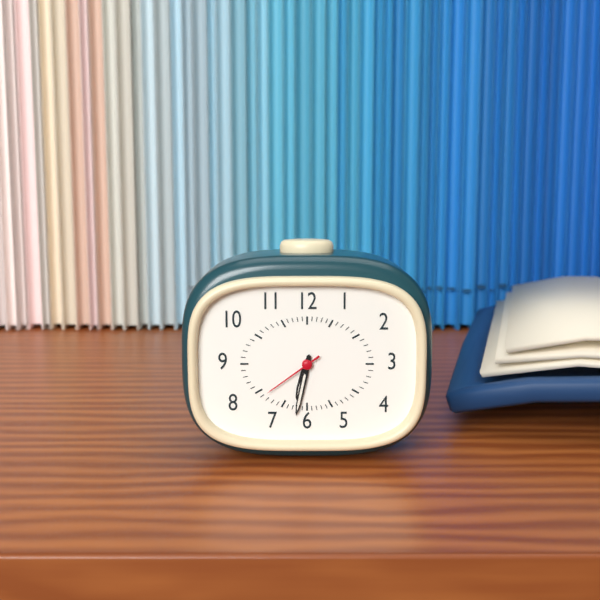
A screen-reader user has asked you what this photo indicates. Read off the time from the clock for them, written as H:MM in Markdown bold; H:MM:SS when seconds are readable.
**6:32:39**
